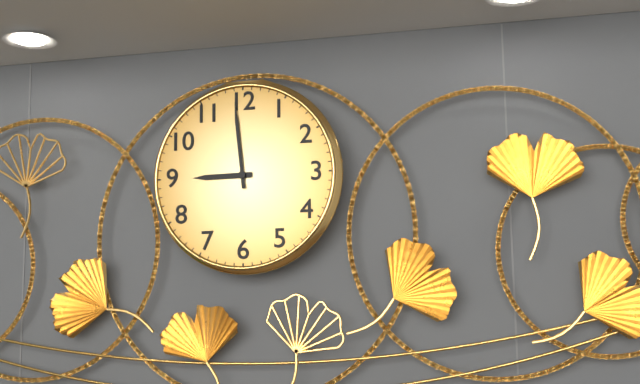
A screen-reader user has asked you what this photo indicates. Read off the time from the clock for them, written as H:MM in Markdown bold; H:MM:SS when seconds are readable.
**8:59**
